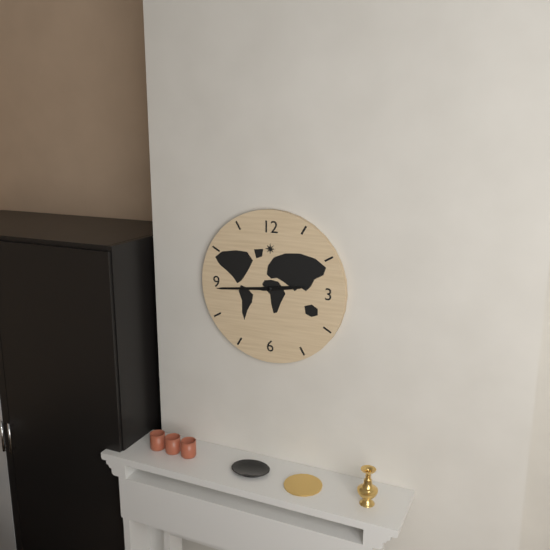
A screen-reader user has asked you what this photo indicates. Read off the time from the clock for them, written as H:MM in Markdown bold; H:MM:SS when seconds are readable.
**2:44**
